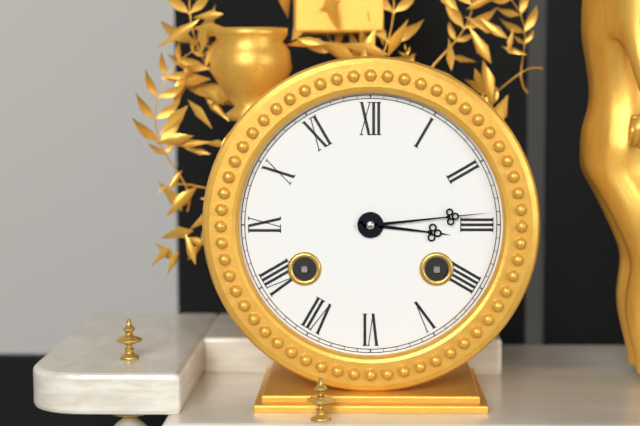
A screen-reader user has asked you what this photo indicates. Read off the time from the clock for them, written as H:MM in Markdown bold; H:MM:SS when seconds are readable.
**3:14**
